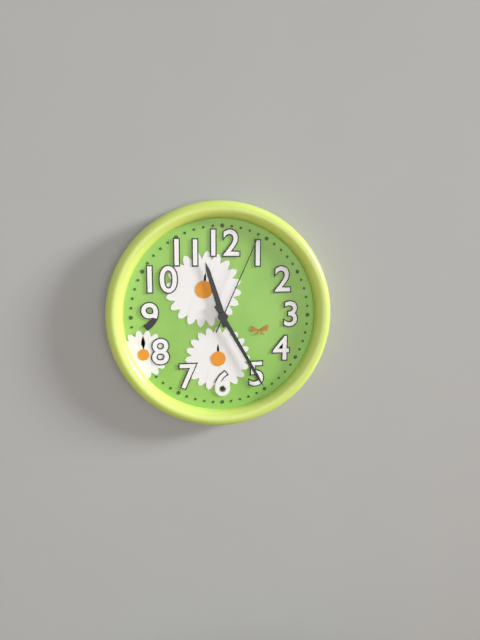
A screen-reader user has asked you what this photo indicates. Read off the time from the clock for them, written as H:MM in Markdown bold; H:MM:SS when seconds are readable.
**11:25:04**
